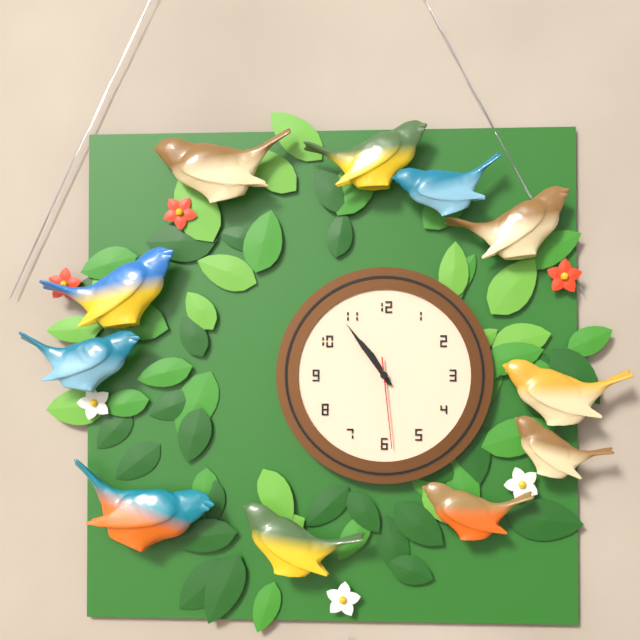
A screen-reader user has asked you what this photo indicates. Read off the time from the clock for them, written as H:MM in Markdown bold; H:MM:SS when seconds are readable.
**10:54:29**
